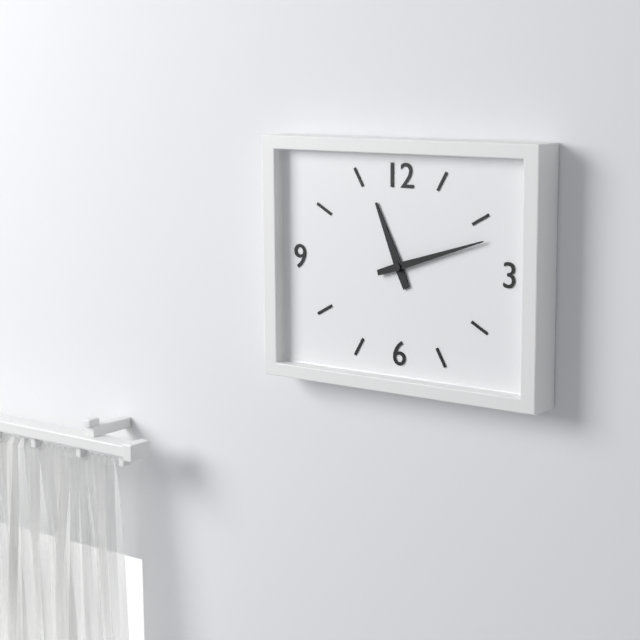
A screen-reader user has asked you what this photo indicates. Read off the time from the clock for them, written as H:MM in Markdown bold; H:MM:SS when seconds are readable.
**11:12**
